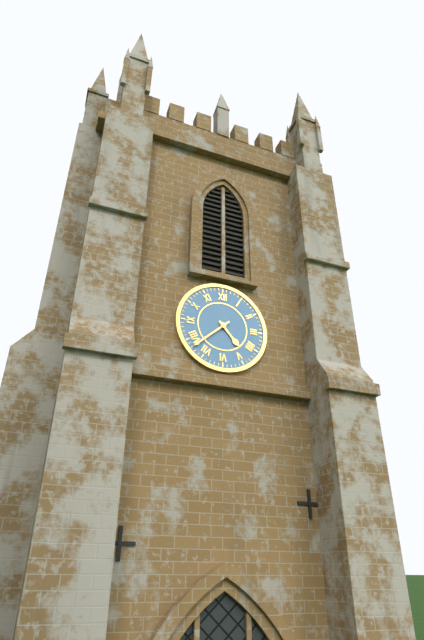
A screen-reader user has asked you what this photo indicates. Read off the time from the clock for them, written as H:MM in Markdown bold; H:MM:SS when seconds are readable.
**4:38**
